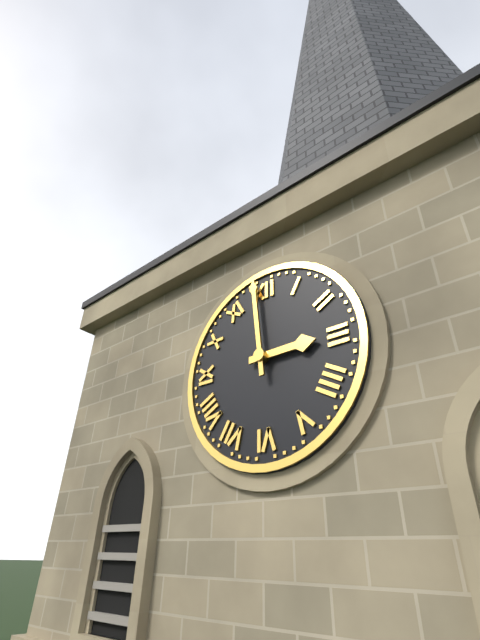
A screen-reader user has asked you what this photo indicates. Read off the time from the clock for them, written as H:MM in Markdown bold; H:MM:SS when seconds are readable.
**2:59**
